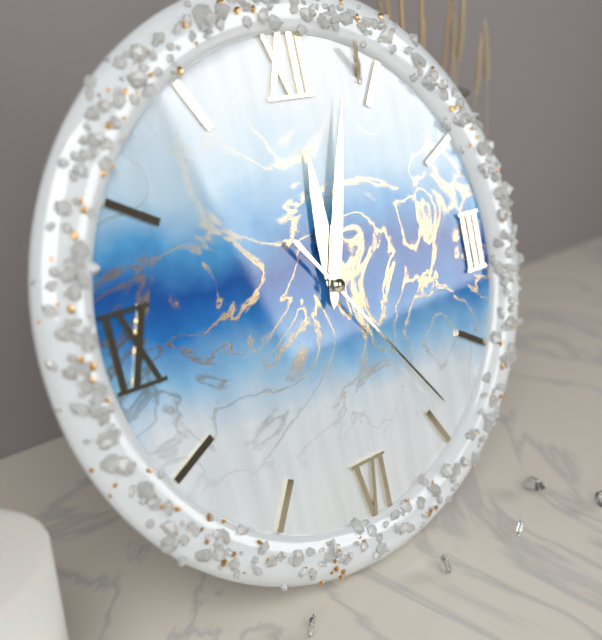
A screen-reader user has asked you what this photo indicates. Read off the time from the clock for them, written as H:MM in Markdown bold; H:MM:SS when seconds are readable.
**12:03:24**
